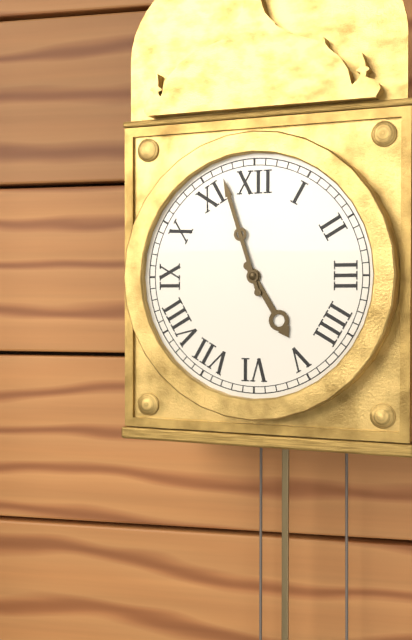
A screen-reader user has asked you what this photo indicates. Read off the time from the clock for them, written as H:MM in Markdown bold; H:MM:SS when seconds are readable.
**4:57**
